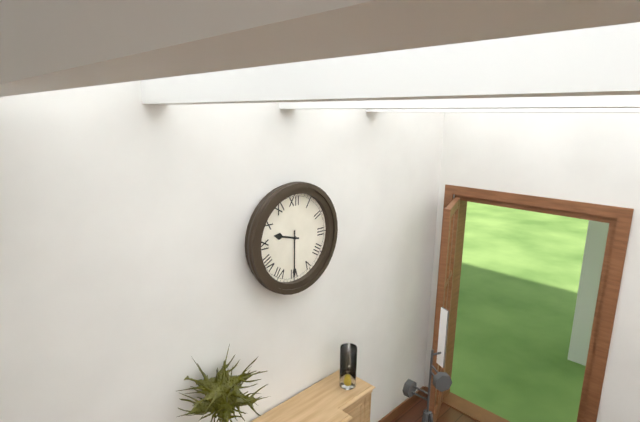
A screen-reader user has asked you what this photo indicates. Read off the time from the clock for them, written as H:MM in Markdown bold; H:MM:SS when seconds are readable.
**9:30**
